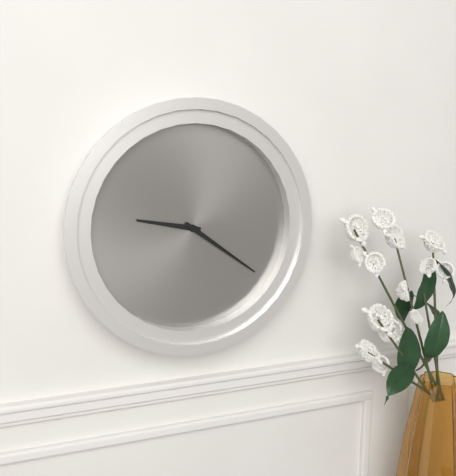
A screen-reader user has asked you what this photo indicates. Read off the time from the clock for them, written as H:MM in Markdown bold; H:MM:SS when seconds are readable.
**9:21**
